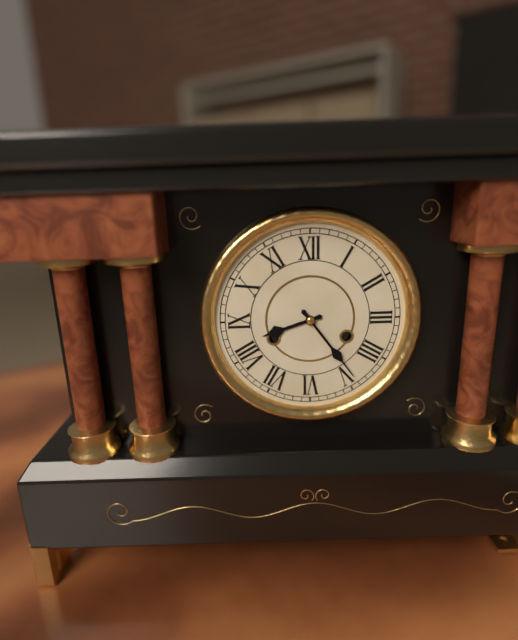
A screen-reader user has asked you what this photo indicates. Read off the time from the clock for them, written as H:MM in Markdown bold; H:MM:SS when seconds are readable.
**8:24**
